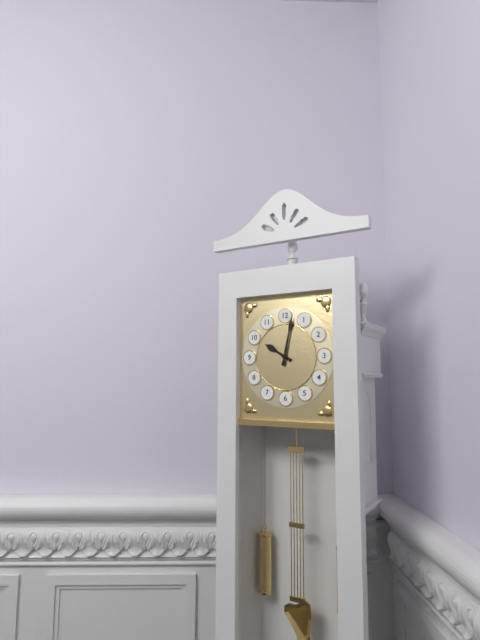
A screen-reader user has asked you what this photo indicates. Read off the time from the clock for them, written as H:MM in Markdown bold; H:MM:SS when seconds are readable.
**10:02**
